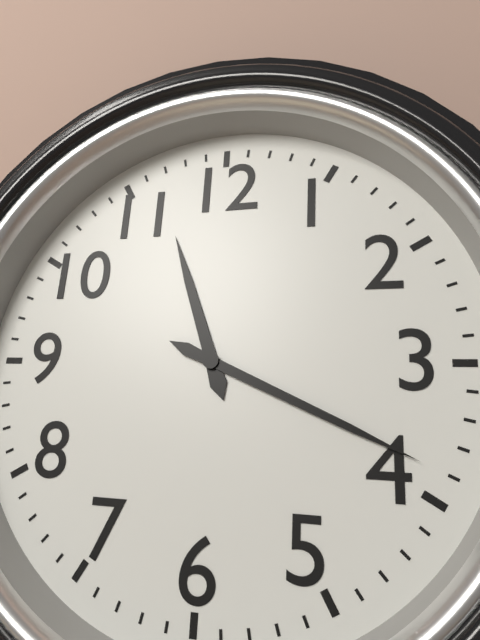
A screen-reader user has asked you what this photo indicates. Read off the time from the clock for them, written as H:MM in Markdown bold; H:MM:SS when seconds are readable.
**11:19**
